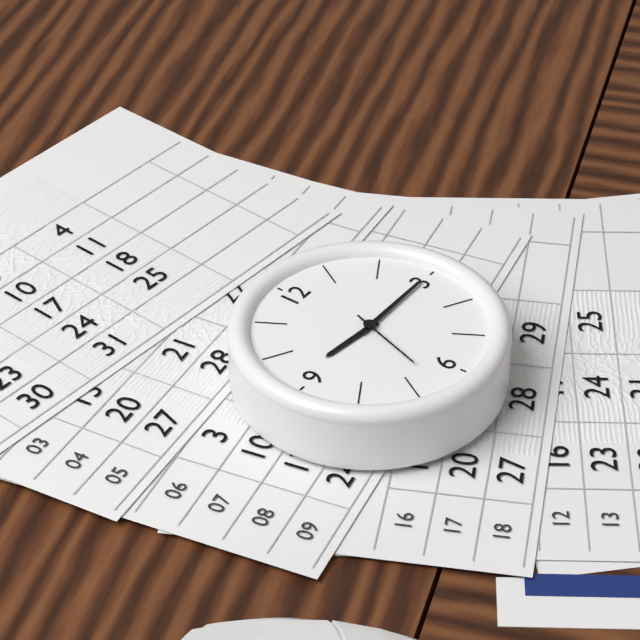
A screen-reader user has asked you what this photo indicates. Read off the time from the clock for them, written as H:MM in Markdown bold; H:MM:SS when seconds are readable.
**9:15:33**
